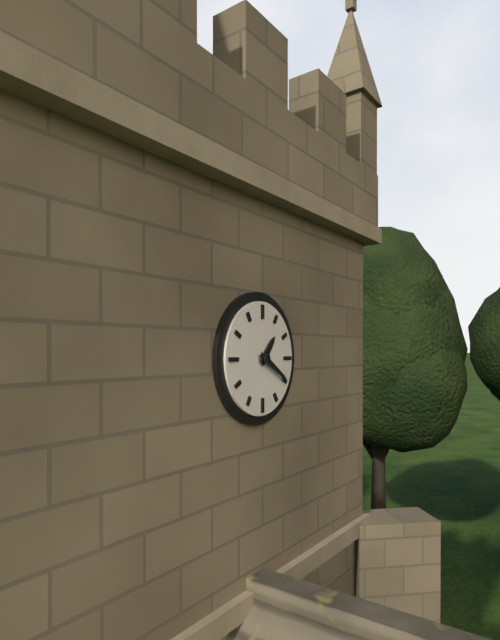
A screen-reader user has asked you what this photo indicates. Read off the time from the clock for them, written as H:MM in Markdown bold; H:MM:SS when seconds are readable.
**1:20**
